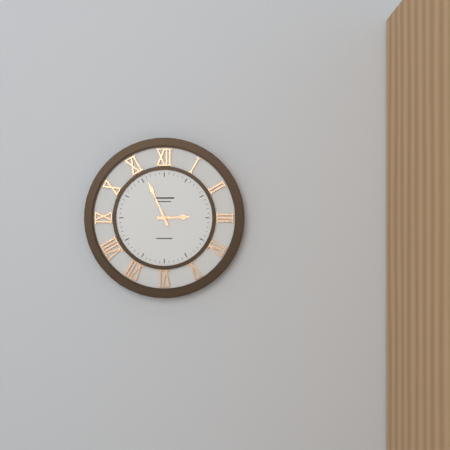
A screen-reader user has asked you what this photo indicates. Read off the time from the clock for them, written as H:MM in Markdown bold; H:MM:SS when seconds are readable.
**2:56**
